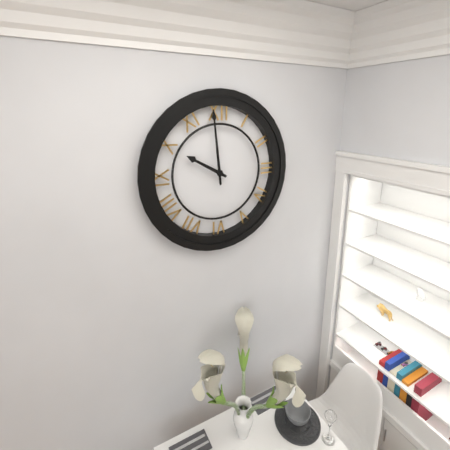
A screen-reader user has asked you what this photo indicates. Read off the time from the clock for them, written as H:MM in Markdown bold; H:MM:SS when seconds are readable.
**9:59**
